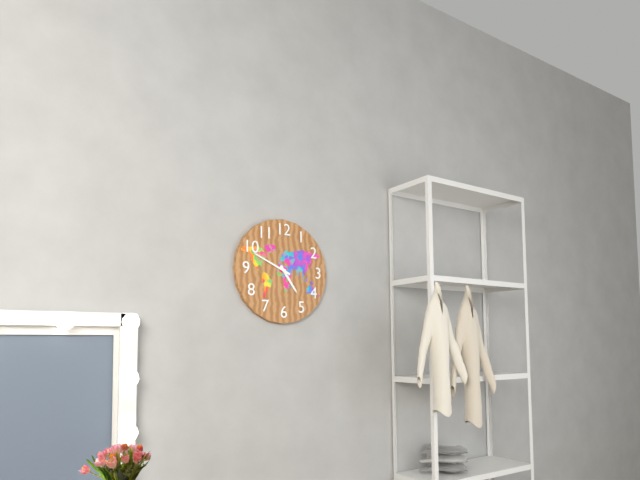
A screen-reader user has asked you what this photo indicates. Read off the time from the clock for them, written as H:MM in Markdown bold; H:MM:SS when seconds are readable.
**4:49**
